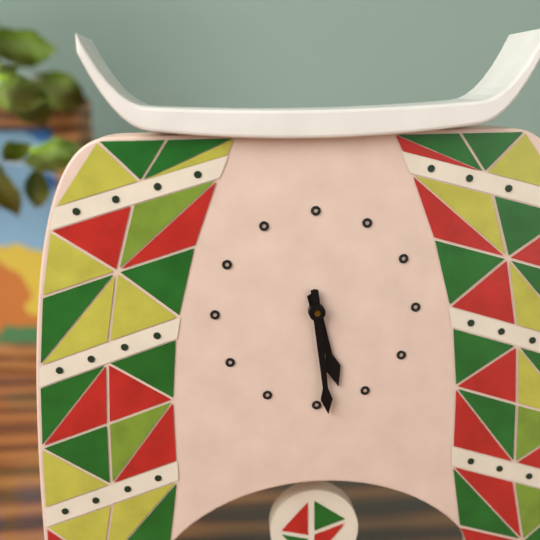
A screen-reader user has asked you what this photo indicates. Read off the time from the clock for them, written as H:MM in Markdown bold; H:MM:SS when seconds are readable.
**5:29**
